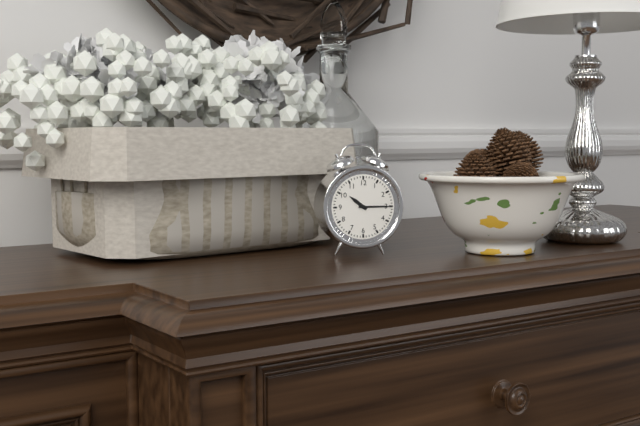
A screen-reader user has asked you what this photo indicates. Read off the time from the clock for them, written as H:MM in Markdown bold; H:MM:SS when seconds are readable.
**10:15**
